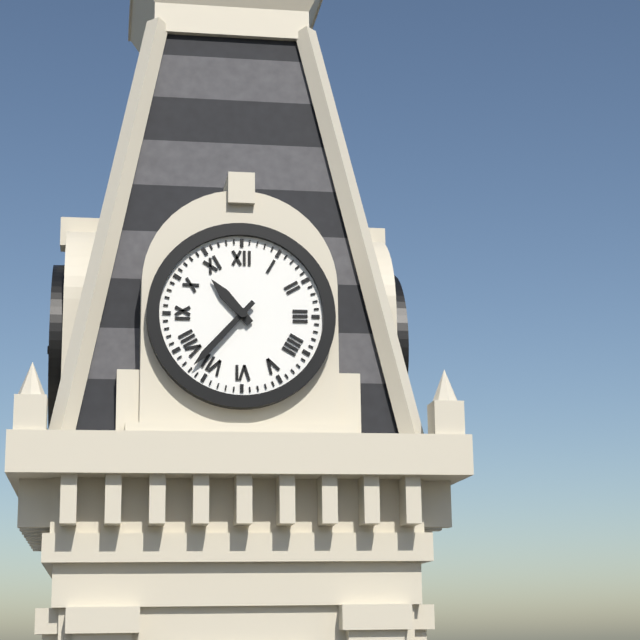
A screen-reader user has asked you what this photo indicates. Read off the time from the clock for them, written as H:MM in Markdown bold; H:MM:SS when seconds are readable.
**10:37**
